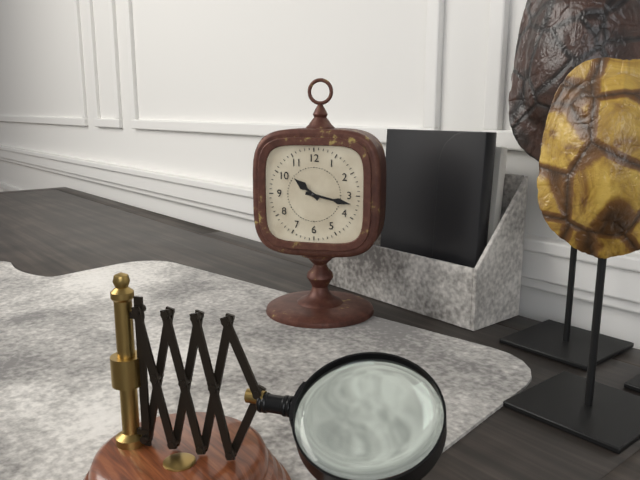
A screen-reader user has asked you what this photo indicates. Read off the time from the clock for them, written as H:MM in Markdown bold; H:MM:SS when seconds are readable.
**10:17**
